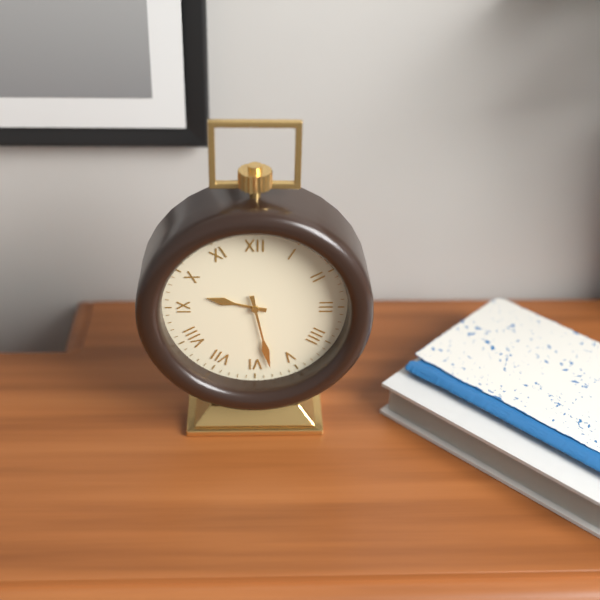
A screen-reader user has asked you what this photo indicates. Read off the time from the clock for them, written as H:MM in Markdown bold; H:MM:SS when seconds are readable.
**9:28**
